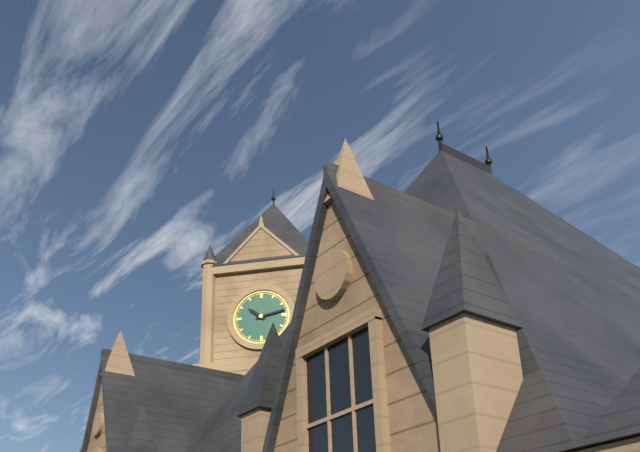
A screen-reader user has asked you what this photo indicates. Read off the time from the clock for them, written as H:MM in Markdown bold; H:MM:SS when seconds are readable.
**10:13**
